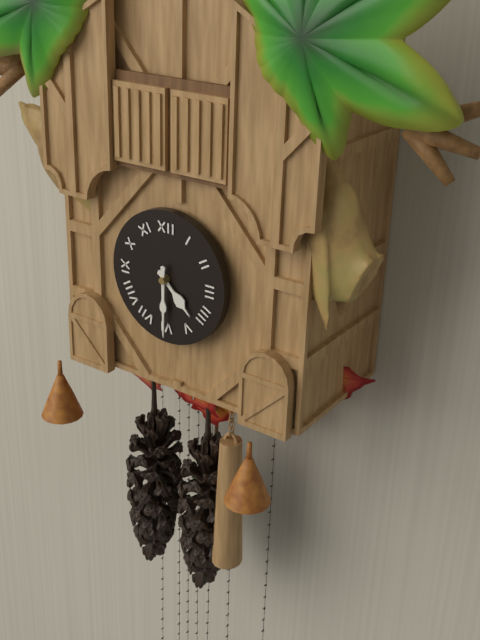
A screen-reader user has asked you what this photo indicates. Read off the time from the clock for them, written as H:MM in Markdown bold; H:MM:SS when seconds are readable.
**4:30**
